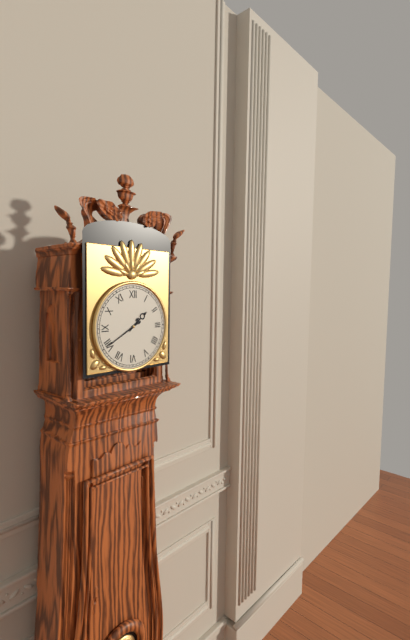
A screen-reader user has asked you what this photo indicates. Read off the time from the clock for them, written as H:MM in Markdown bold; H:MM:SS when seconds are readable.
**1:40**
